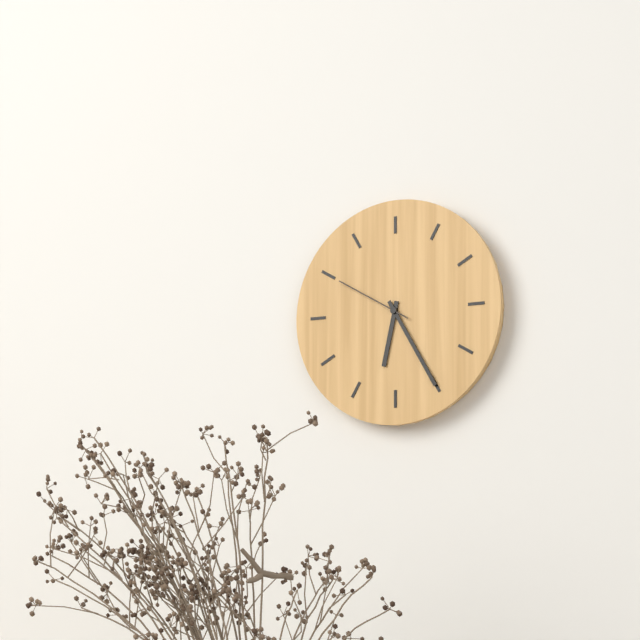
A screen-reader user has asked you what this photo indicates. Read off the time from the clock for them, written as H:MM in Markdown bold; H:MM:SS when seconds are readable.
**6:25:50**
